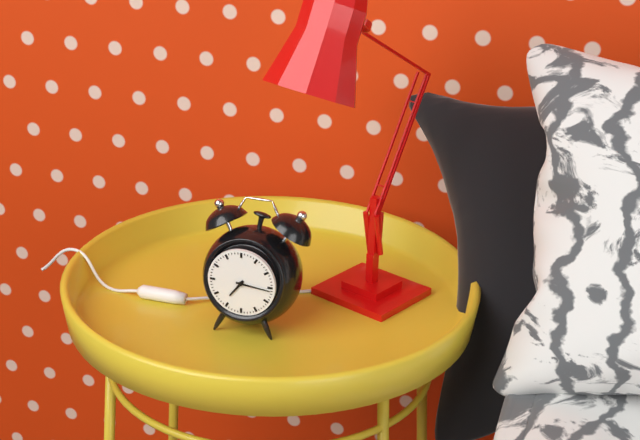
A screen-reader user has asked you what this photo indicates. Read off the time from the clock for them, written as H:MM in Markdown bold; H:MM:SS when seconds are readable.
**7:16**
